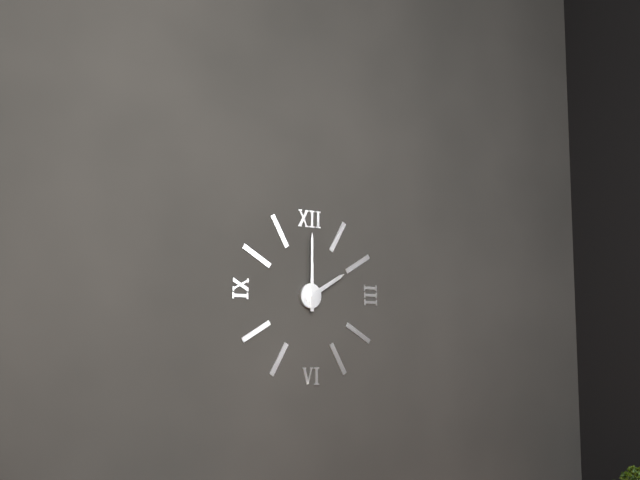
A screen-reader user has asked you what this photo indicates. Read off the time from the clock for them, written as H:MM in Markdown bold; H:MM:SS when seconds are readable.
**2:00**
